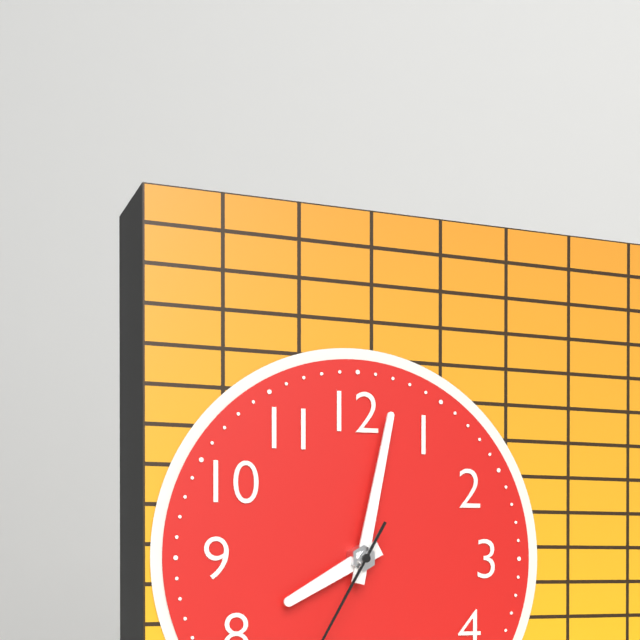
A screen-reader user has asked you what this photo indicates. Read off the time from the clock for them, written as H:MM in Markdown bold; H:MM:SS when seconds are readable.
**8:02**
